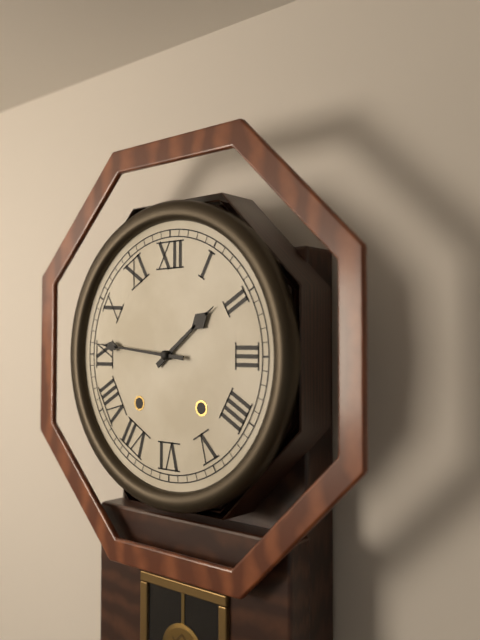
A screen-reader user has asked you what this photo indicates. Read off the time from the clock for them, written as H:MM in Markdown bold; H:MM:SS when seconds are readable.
**1:46**
